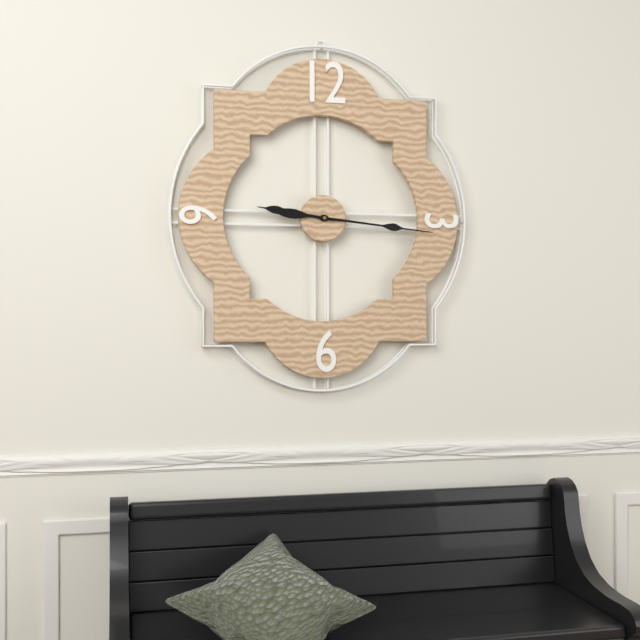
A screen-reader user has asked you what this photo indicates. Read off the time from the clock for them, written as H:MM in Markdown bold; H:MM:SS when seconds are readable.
**9:16**
